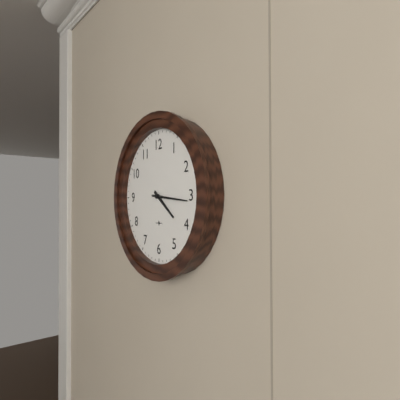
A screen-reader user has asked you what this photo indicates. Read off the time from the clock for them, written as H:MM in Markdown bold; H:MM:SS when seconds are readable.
**4:16**
